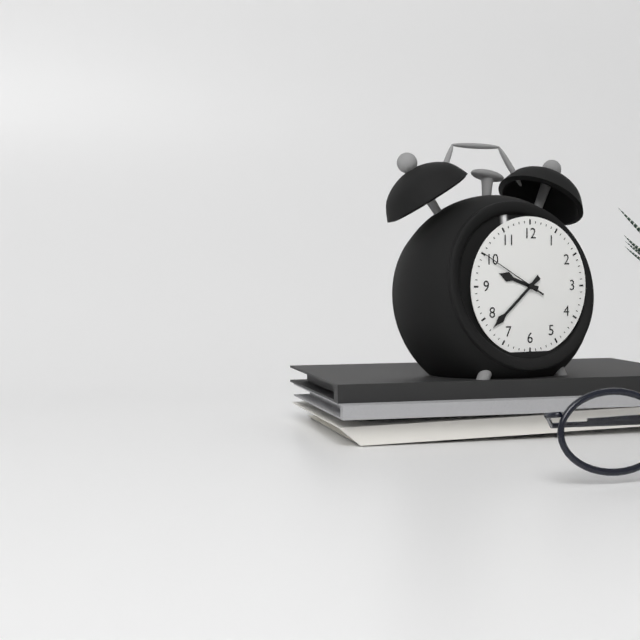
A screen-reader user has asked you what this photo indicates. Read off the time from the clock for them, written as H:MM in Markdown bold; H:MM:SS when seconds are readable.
**9:38:50**
